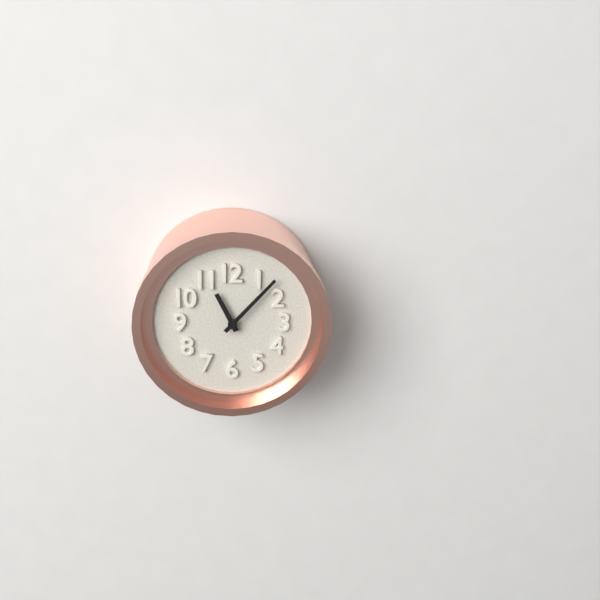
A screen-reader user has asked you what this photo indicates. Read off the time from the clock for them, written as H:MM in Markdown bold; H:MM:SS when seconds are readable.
**11:07**
